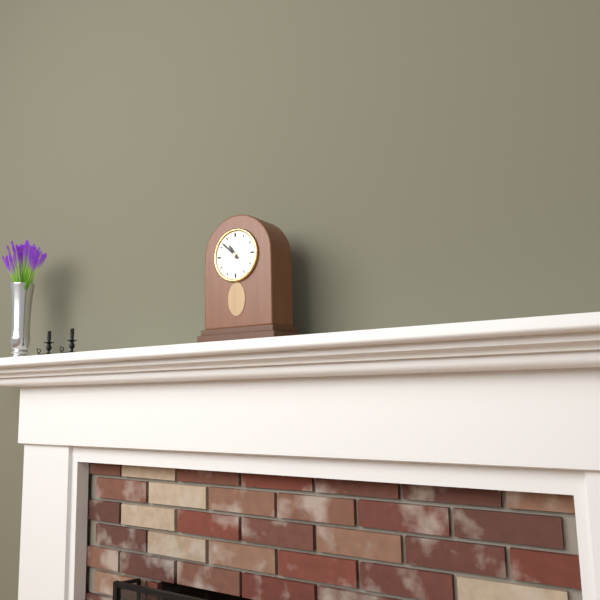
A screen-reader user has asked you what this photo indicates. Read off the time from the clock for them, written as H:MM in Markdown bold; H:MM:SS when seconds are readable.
**10:52**
